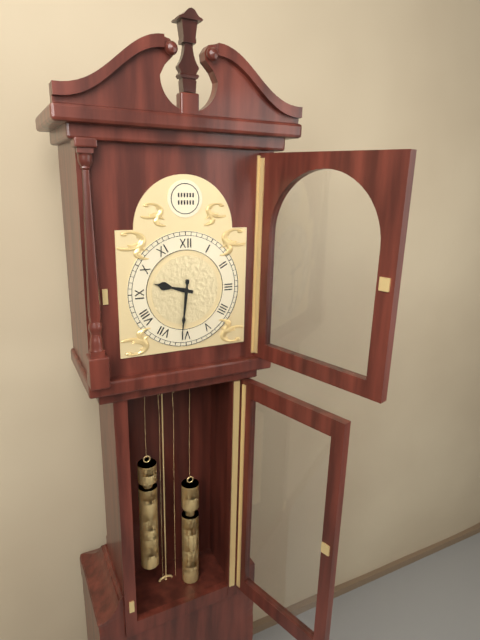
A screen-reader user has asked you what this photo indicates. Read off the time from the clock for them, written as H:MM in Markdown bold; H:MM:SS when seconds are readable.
**9:31**
